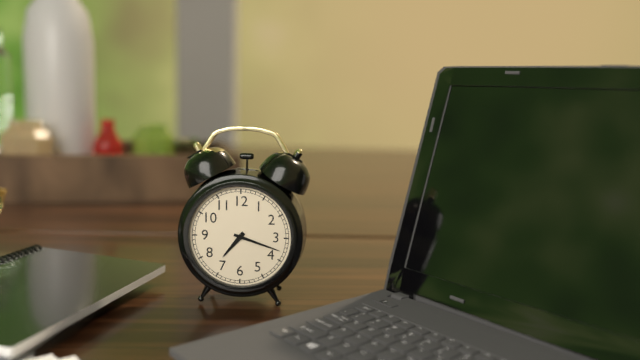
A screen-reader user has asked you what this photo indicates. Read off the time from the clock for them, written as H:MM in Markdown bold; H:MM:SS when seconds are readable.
**7:18**
